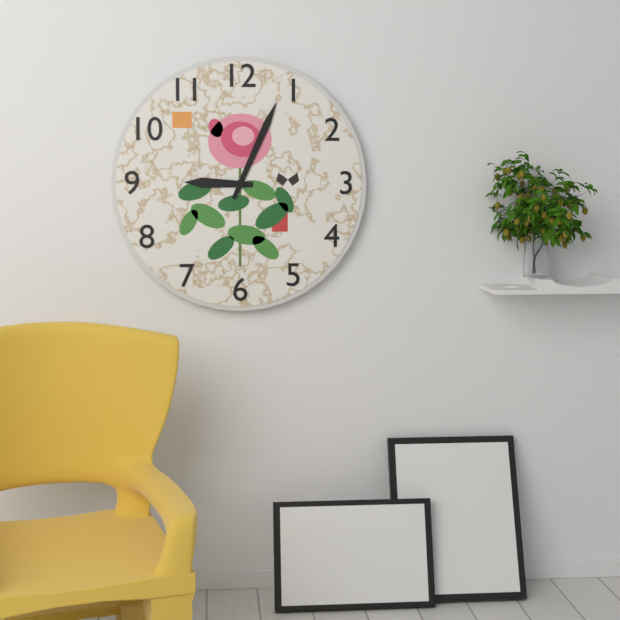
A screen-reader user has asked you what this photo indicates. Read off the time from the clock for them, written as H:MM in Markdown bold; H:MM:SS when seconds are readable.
**9:04**
